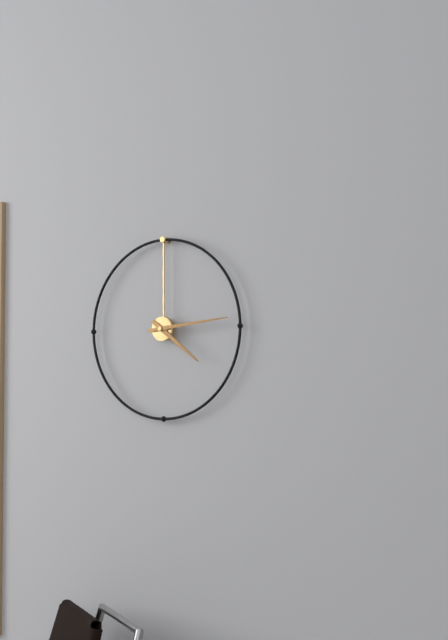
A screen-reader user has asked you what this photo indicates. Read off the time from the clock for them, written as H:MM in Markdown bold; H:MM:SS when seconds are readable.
**4:14**
